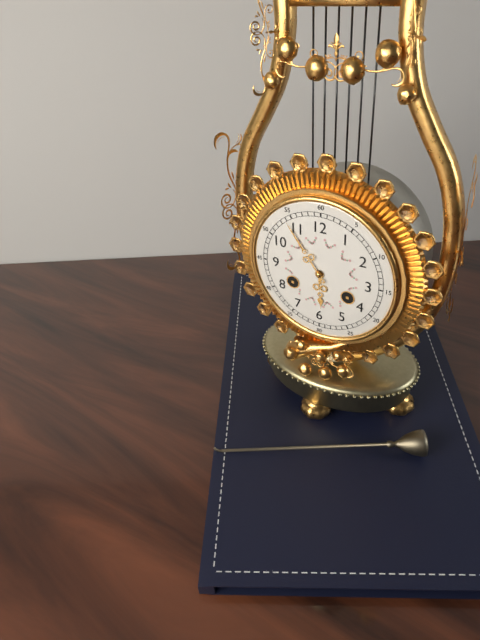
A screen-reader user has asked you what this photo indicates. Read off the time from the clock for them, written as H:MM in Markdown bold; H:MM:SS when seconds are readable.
**5:54**
